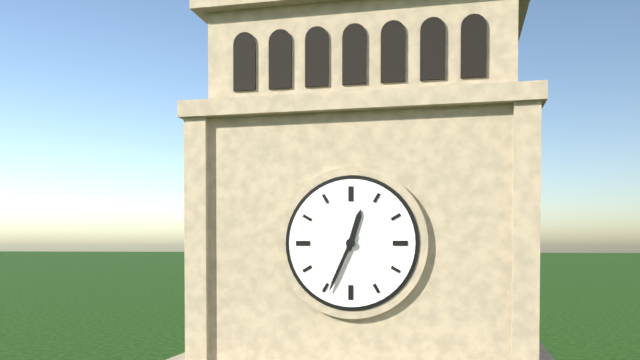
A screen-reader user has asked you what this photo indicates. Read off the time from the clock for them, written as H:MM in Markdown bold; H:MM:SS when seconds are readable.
**12:34**
